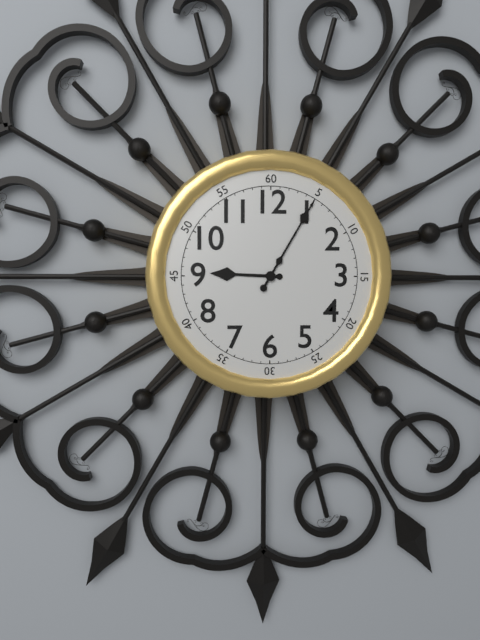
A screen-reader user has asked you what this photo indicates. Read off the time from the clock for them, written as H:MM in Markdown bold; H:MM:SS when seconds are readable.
**9:05**
